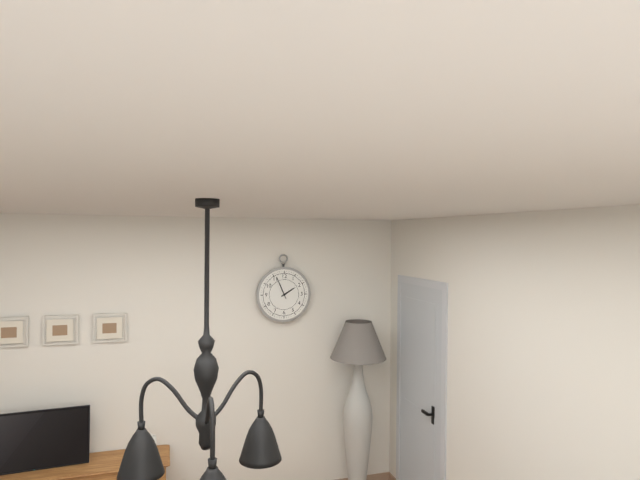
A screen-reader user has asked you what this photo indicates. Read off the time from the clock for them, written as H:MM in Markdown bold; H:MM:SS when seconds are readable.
**1:56**
